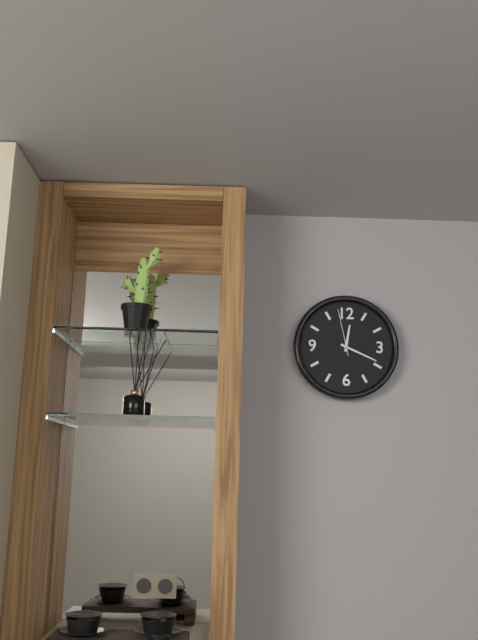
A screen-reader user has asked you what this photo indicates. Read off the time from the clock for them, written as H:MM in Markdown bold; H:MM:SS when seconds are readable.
**12:19**
